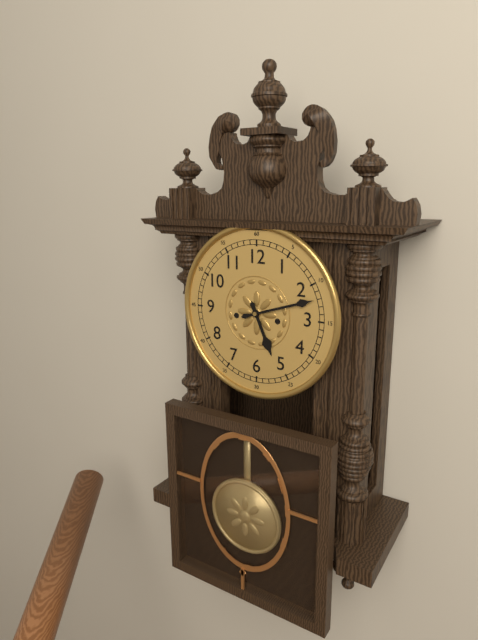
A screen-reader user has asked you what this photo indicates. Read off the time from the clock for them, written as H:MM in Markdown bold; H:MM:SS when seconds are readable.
**5:12**
